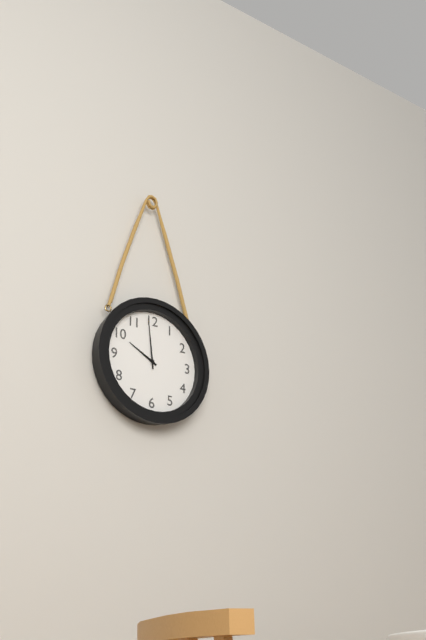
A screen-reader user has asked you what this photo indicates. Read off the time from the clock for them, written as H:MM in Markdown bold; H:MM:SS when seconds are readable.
**9:59**
